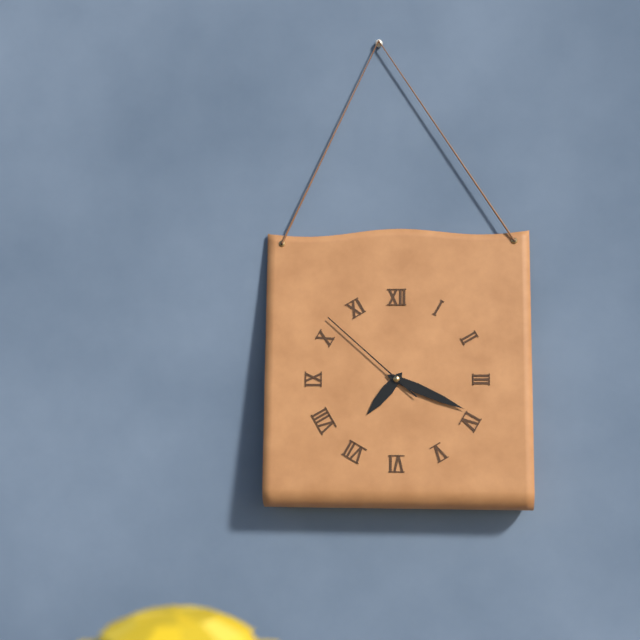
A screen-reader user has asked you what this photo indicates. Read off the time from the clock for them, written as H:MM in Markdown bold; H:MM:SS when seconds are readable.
**7:19:52**
